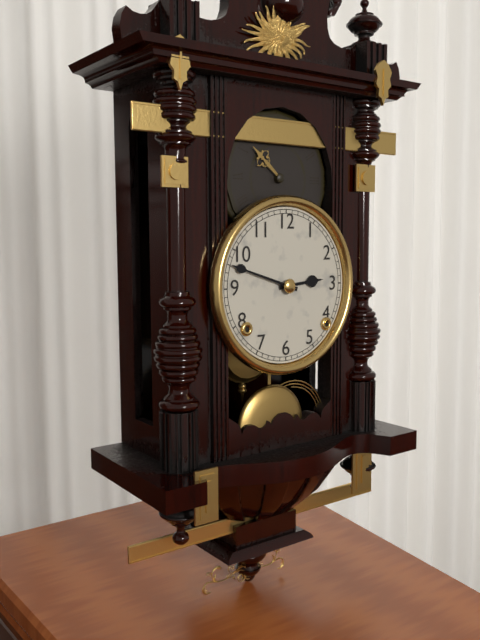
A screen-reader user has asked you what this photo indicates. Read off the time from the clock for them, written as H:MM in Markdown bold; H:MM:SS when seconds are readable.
**2:48**
